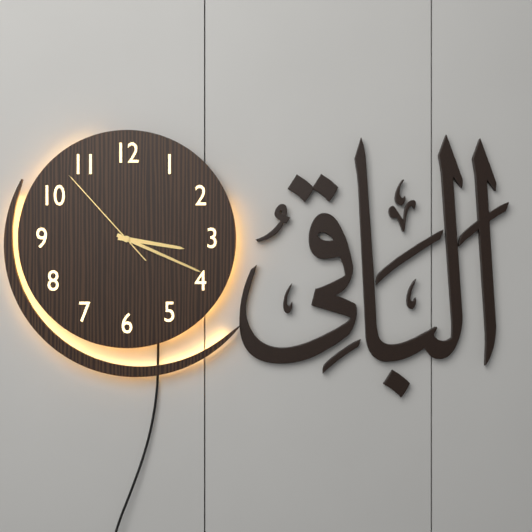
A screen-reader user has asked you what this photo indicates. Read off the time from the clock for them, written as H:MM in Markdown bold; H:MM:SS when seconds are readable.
**3:19:53**
